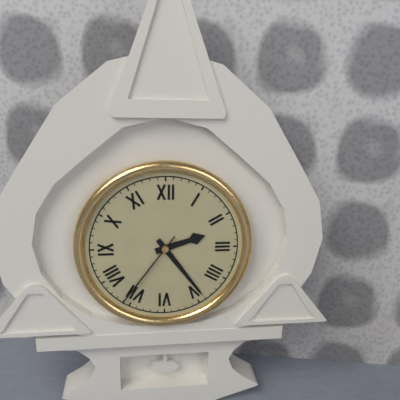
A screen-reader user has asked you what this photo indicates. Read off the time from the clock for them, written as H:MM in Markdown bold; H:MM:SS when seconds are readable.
**2:24:36**
